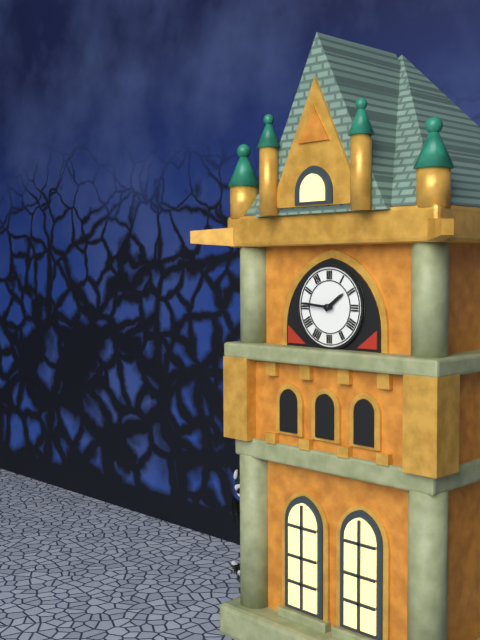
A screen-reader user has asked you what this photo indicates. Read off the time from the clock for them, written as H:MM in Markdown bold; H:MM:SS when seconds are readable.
**1:46**
